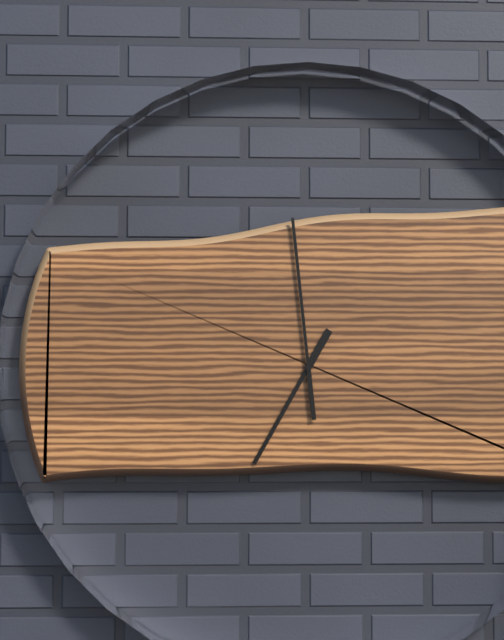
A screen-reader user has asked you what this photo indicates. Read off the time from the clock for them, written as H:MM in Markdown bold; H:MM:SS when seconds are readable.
**6:59**
